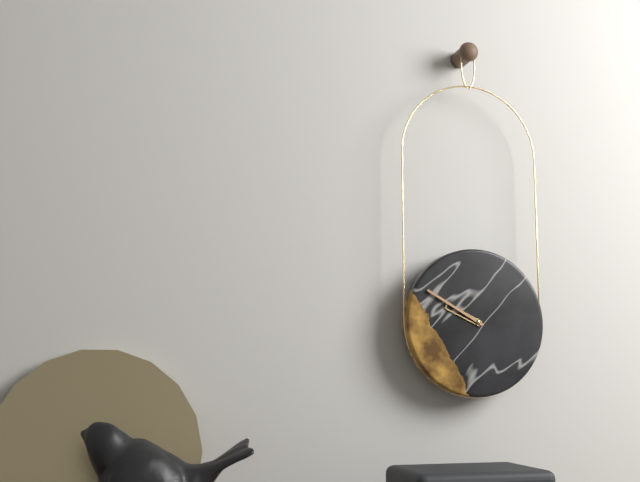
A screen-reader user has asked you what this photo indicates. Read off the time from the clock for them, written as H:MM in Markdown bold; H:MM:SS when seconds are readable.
**9:50**
